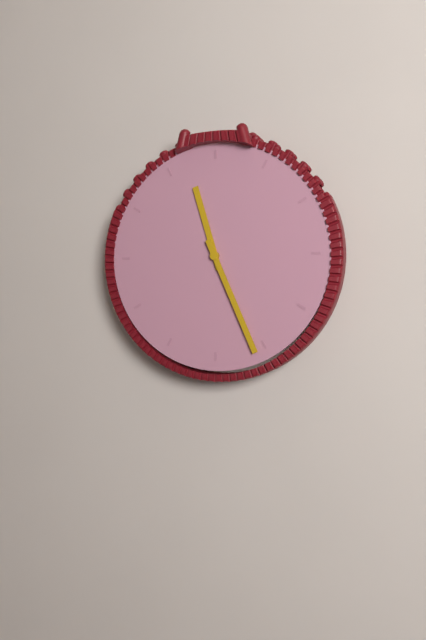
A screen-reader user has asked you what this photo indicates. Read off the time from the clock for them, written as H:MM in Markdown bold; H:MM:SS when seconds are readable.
**11:26**
